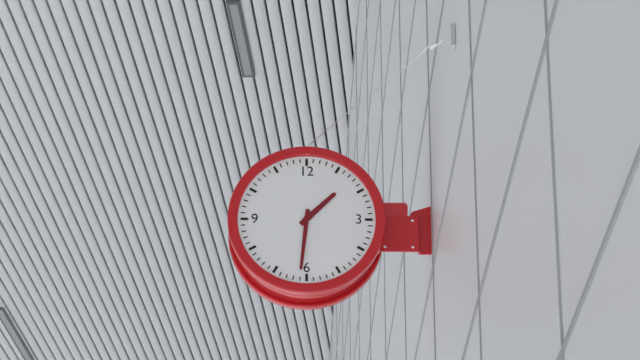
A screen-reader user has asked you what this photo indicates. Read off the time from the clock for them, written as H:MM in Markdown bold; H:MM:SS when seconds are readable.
**1:31**
